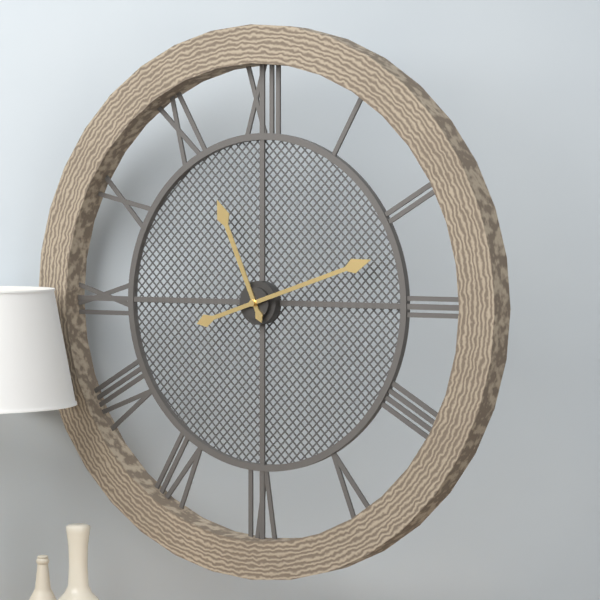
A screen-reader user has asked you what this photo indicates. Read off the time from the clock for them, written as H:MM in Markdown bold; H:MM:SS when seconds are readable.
**11:12**
